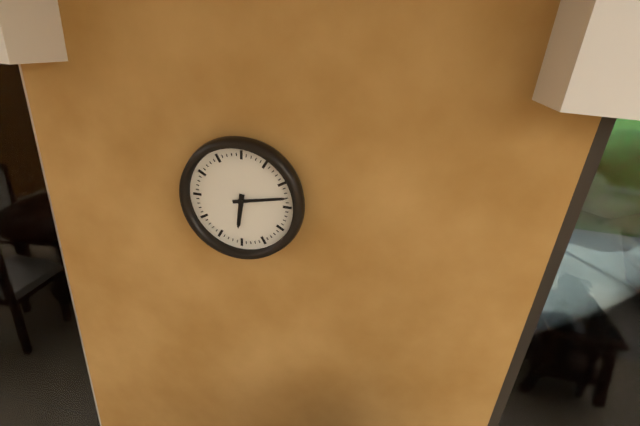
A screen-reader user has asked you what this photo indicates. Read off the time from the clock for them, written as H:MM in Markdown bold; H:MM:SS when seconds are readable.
**6:13**
